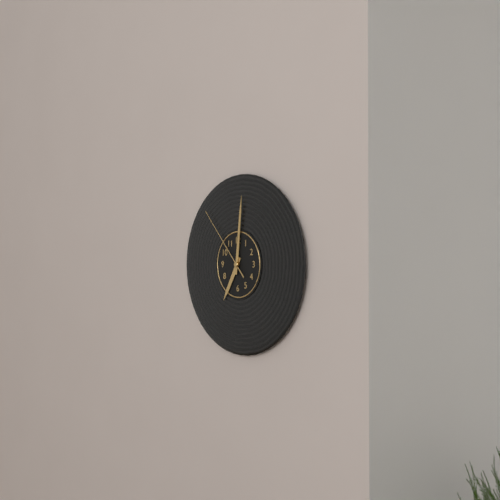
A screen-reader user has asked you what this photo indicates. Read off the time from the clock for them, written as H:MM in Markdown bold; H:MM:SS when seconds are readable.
**7:01:53**
